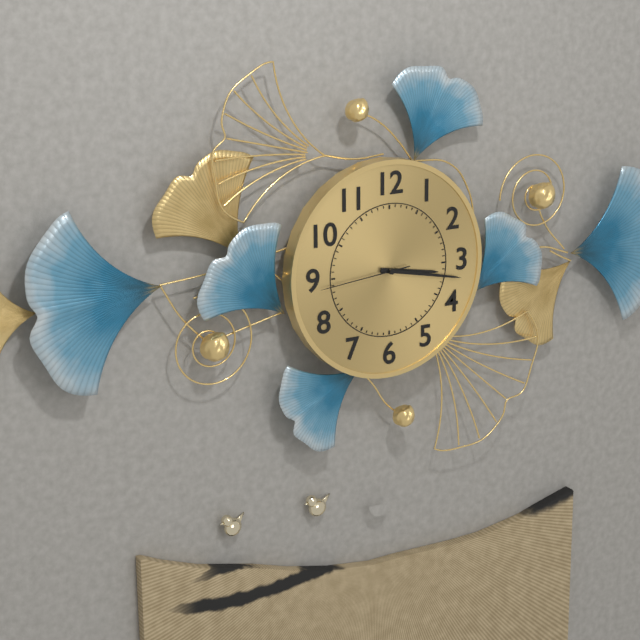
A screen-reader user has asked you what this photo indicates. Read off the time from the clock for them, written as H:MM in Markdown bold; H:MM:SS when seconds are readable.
**3:17:44**
